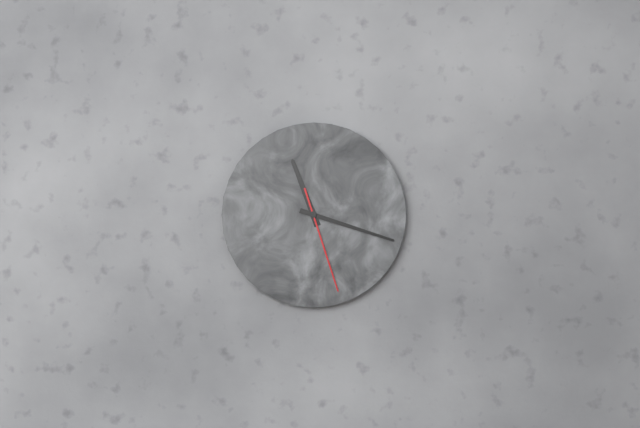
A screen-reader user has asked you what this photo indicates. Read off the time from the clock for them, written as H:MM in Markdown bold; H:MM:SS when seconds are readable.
**11:18:27**
